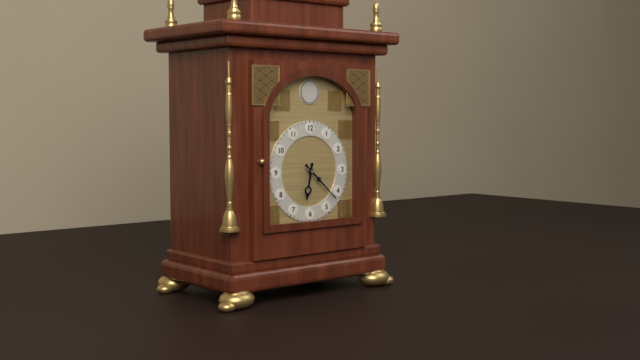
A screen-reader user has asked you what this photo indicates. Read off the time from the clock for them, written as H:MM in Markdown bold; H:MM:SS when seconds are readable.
**6:22**
